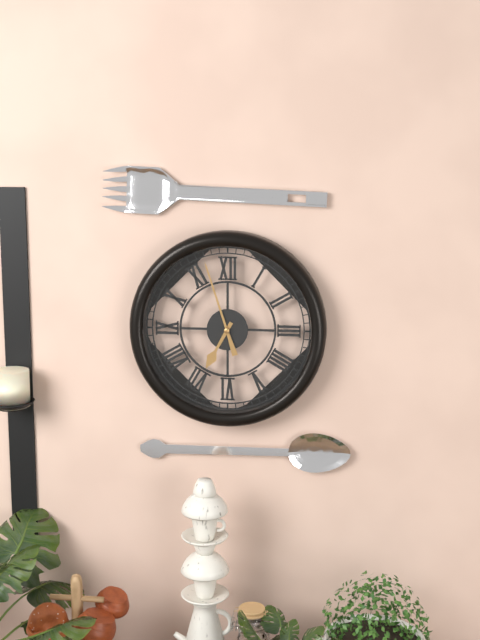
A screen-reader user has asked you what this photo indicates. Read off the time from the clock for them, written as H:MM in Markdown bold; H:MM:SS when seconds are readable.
**6:57**
